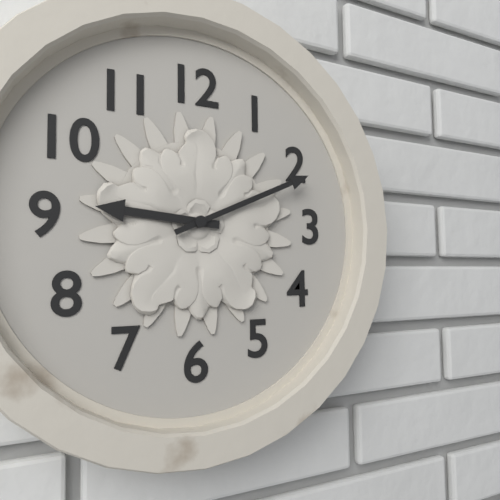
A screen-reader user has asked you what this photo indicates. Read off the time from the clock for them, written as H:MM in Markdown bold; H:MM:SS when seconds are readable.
**9:11**
